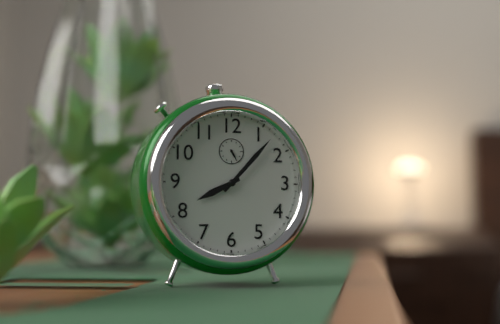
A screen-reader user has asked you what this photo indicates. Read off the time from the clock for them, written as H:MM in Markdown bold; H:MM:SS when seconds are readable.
**8:07**
